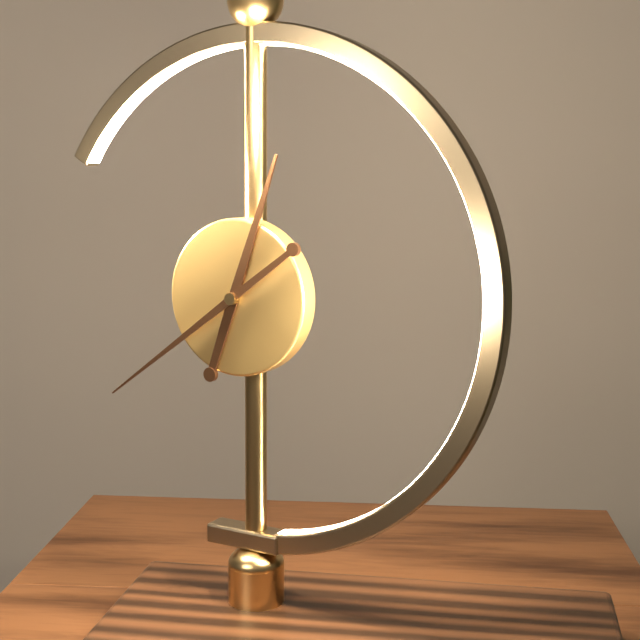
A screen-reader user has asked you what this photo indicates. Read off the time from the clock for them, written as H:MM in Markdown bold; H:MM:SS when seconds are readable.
**12:39**
